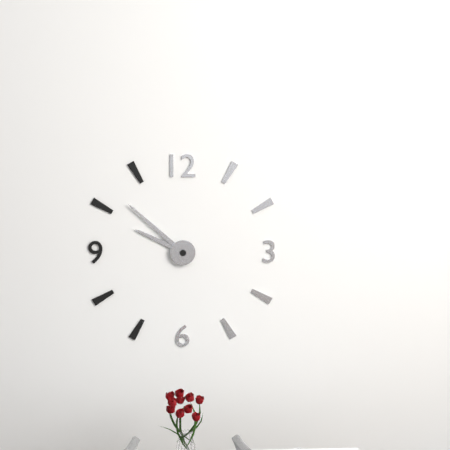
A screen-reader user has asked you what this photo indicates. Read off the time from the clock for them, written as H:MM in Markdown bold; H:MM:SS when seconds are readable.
**9:52**
